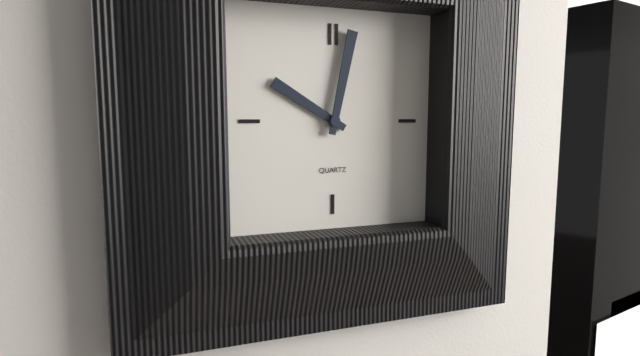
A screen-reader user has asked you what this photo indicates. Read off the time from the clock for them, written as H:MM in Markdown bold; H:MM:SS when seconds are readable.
**10:02**
